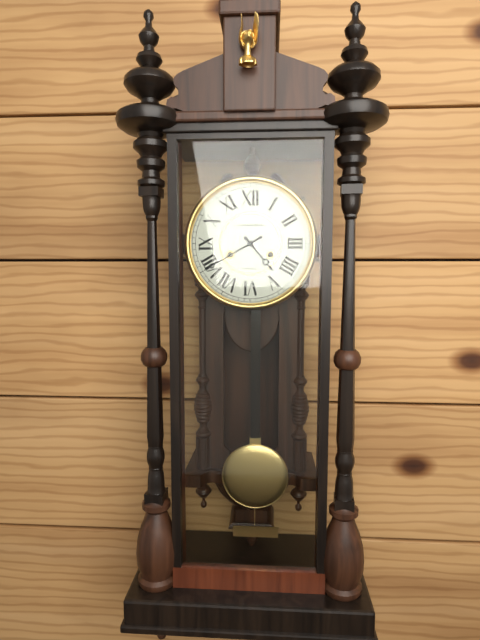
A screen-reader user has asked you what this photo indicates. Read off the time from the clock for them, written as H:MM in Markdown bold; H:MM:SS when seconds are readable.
**4:40**
